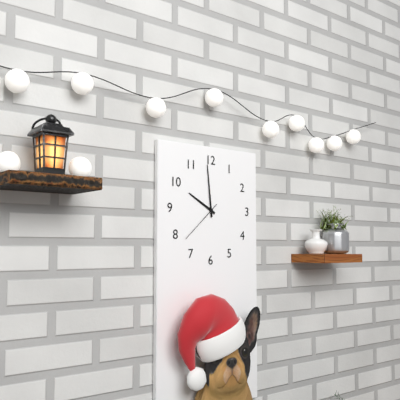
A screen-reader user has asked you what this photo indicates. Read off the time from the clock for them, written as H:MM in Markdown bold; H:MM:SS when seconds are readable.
**9:59**
